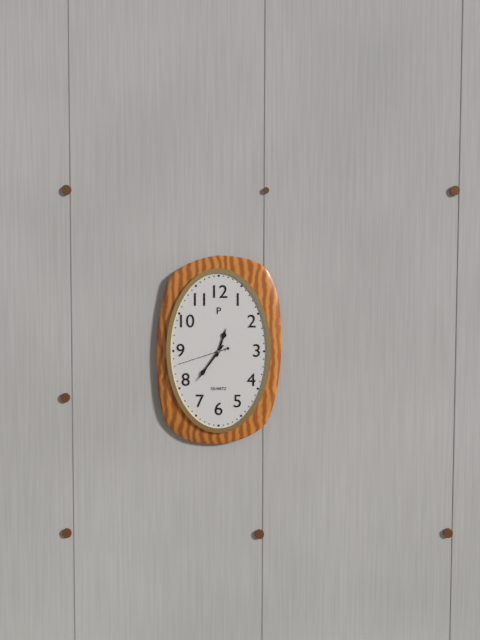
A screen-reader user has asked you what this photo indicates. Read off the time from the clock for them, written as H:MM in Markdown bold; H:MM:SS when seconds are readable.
**12:36:42**
